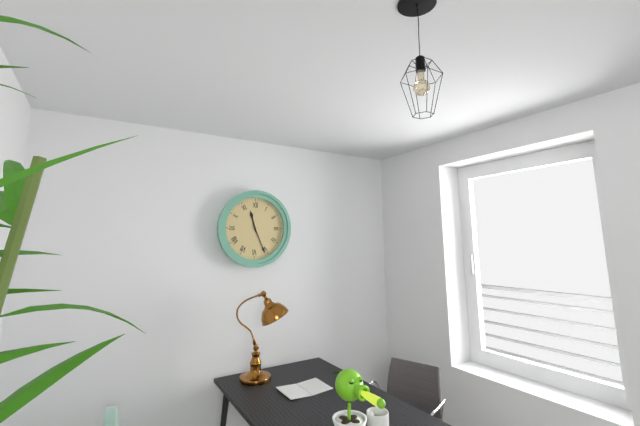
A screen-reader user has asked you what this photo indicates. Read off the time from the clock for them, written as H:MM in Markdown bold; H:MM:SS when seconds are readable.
**11:26**
